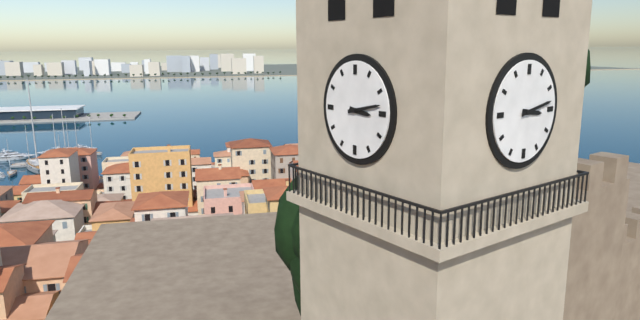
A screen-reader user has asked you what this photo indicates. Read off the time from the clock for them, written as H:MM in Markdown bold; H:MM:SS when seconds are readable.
**3:13**
